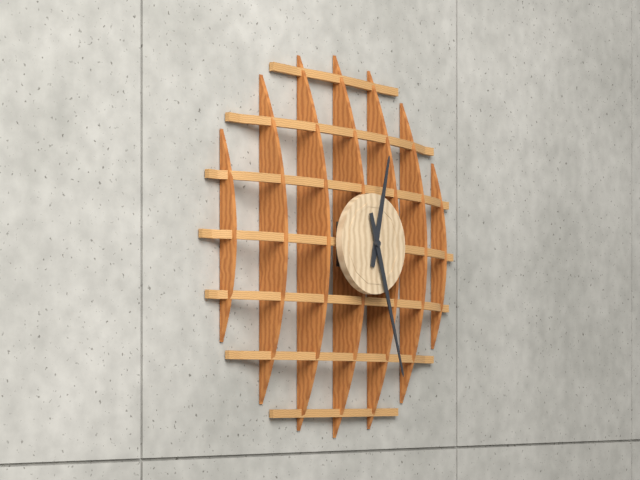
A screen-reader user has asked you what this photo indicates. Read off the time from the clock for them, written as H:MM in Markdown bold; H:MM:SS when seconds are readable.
**12:27**
